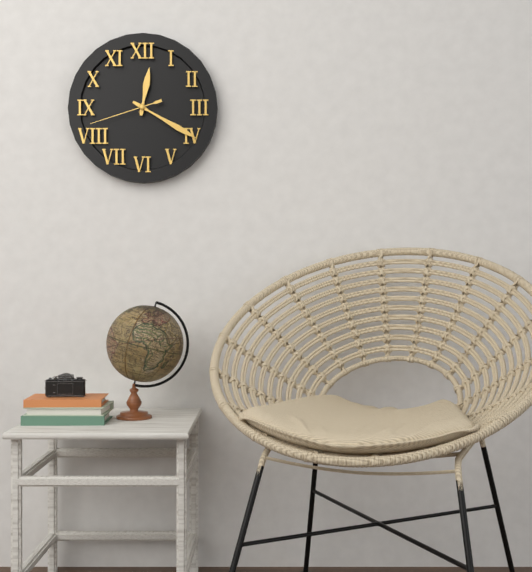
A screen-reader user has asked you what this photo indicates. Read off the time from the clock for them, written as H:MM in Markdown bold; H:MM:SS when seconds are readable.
**12:20:42**
